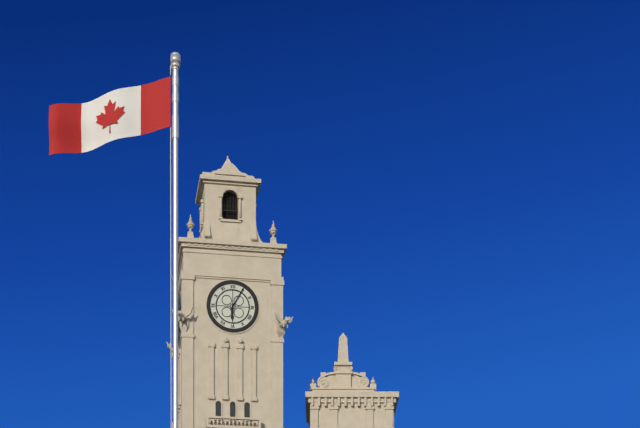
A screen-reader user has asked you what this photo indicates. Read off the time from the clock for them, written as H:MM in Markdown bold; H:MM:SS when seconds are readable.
**6:05**
